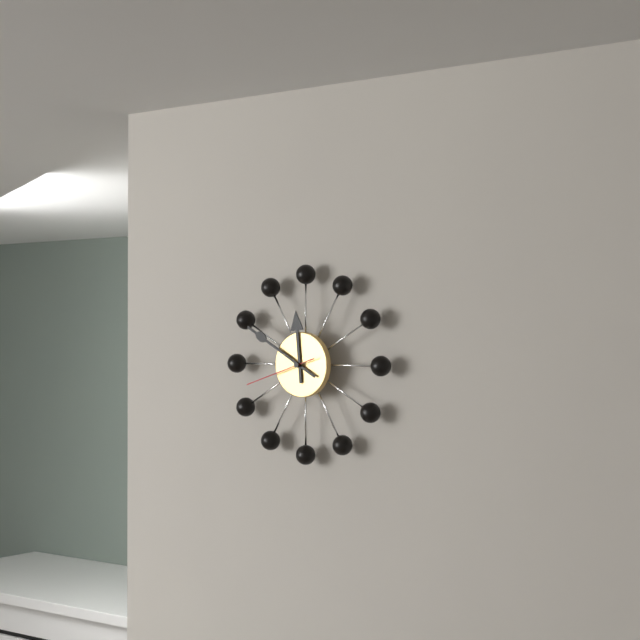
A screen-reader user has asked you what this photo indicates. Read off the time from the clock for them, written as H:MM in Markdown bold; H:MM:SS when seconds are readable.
**11:50:42**
